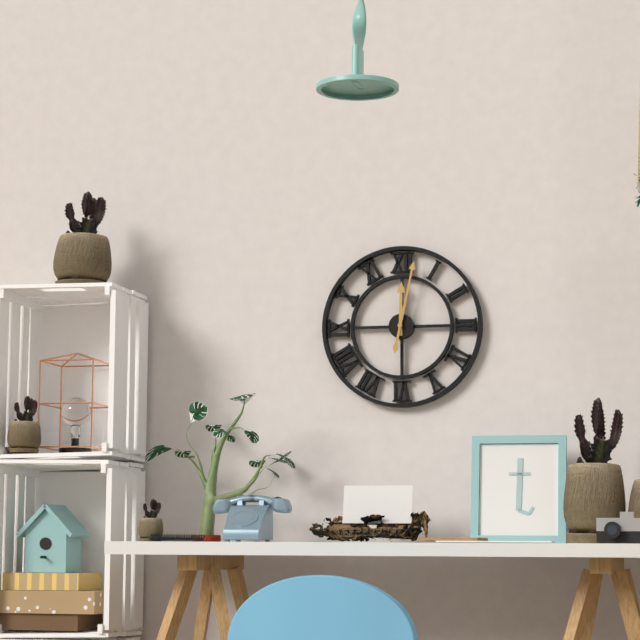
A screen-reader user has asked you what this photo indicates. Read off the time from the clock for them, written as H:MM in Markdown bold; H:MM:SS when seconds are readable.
**12:02**
